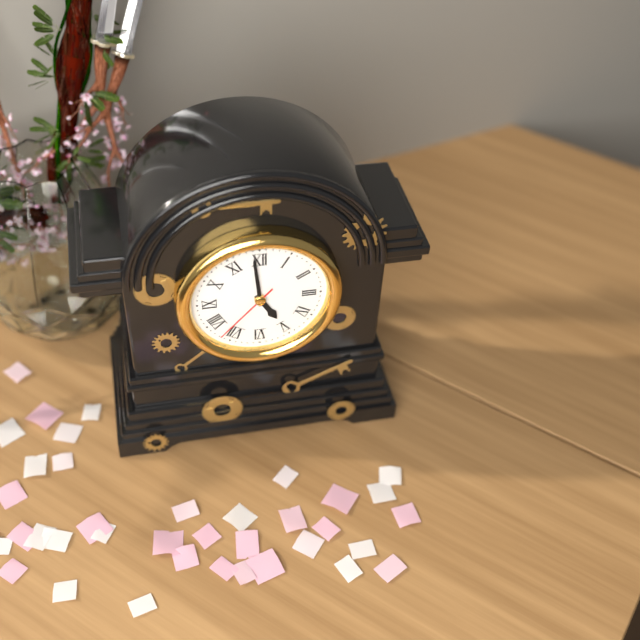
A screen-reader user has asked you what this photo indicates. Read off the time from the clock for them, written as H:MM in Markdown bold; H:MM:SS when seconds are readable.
**4:59:37**
